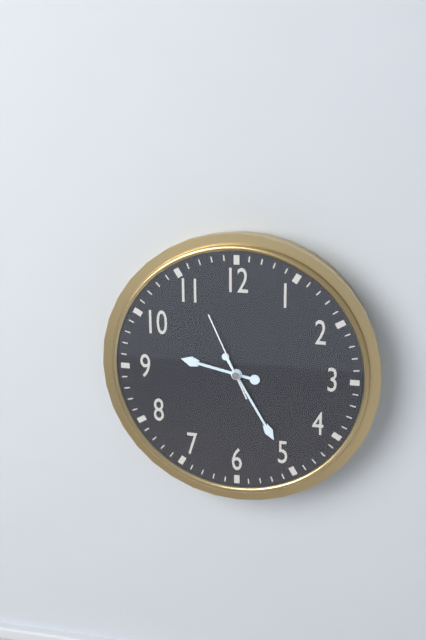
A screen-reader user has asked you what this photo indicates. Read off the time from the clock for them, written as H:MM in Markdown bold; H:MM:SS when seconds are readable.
**9:25:56**
